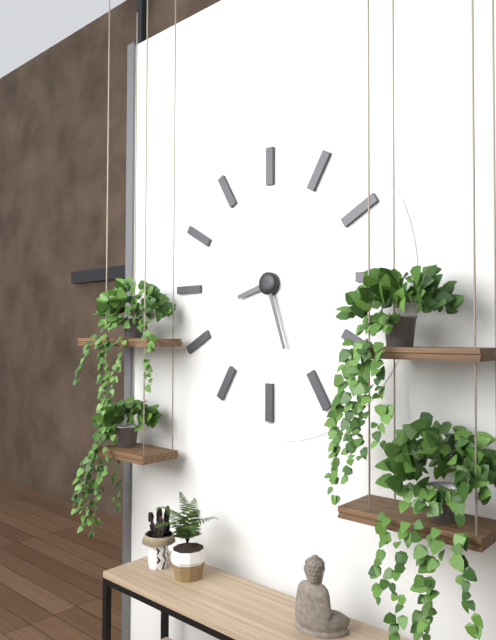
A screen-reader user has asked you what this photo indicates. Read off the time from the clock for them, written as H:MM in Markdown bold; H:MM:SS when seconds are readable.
**8:27**
